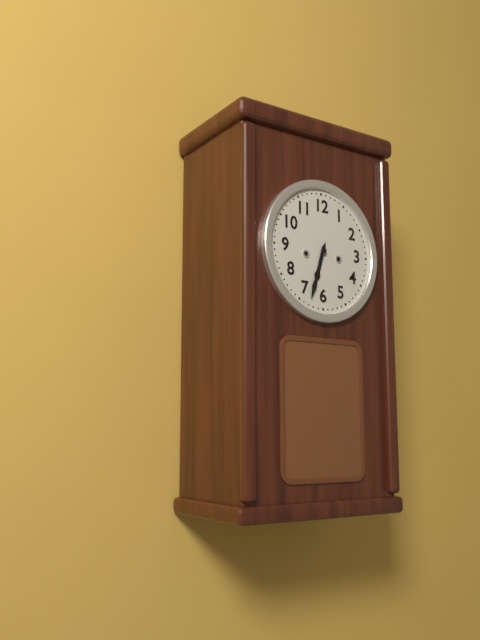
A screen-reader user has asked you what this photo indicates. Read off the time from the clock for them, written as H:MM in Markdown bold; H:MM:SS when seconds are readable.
**6:33**
